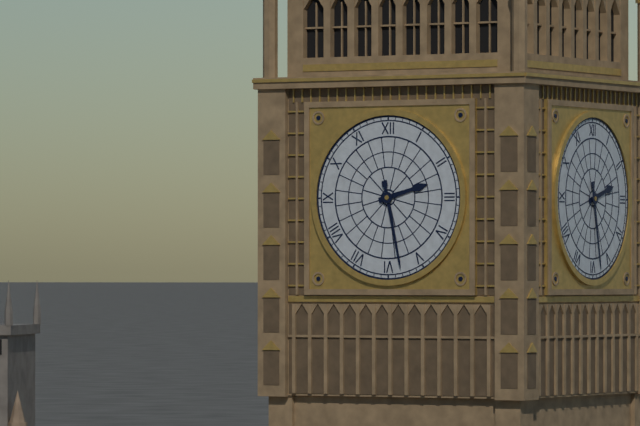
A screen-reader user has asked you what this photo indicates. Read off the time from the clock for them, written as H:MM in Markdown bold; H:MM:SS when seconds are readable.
**2:28**
